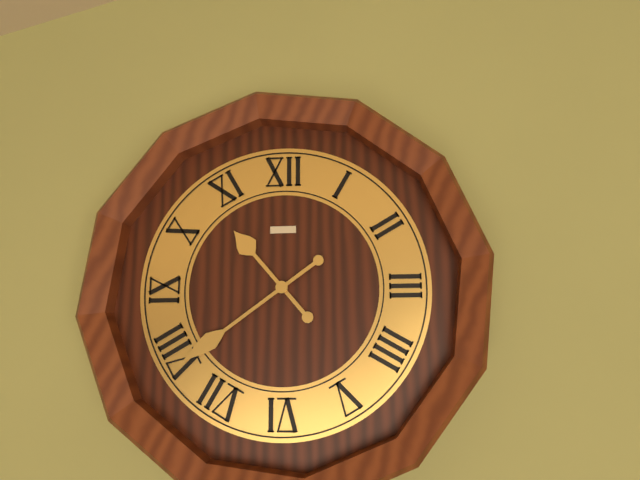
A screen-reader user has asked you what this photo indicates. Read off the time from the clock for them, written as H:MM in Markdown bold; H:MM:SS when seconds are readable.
**10:39**
